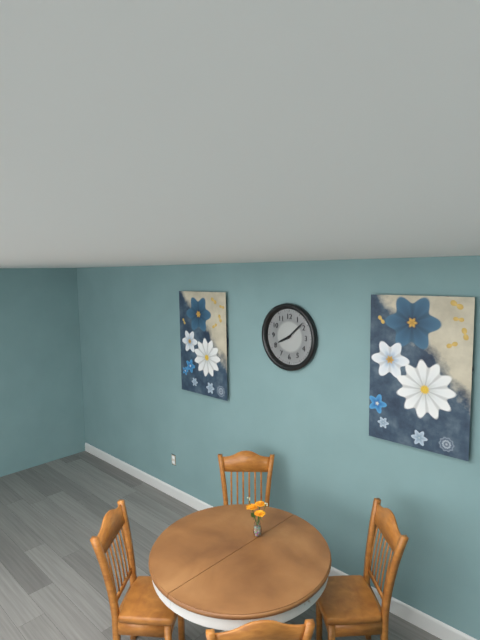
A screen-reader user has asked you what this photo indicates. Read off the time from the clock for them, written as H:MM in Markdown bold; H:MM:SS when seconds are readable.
**8:08**
